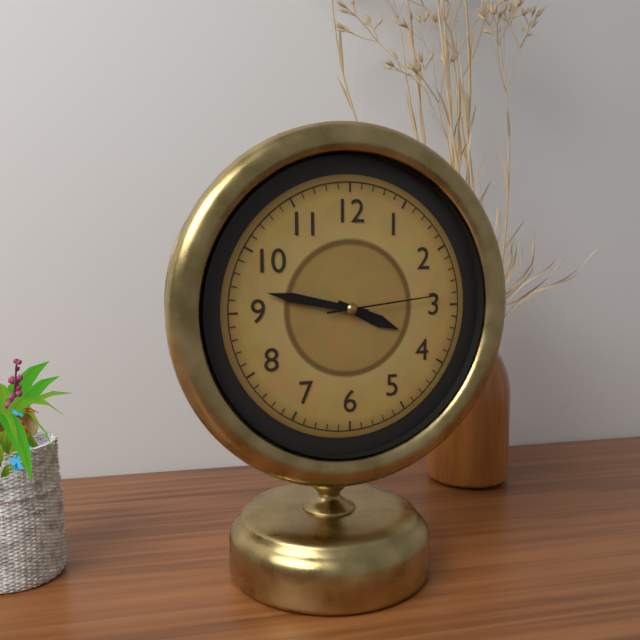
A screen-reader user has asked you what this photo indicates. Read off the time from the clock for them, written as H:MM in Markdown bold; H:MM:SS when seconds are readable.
**3:47:14**
